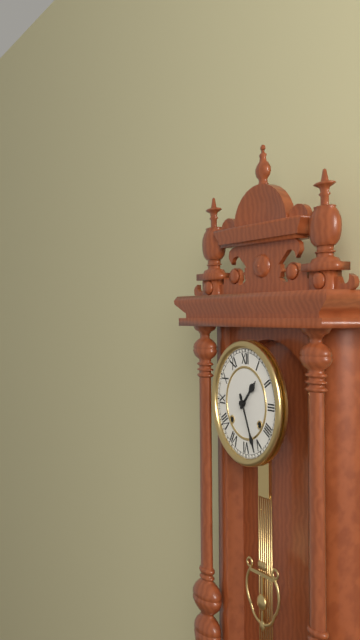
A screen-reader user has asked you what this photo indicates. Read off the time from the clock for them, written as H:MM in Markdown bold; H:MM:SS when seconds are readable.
**1:26**
